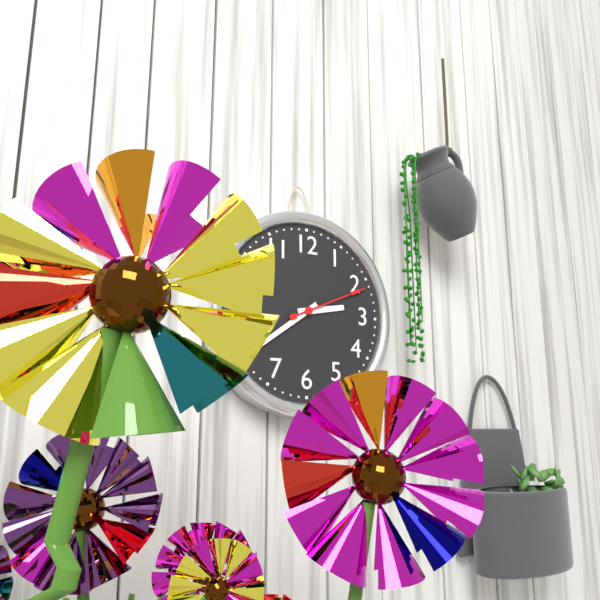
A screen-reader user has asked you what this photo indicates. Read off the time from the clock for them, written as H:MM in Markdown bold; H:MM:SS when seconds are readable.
**2:39:11**
